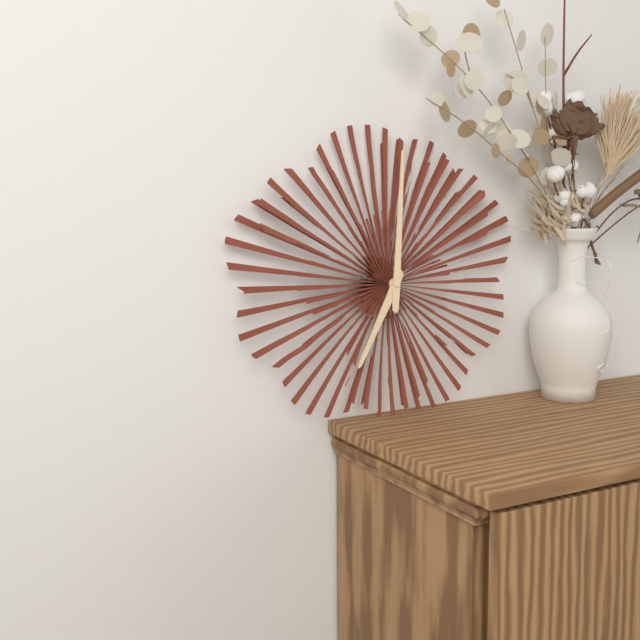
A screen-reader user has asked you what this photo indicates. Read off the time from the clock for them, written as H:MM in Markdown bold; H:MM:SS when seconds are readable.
**7:01**
